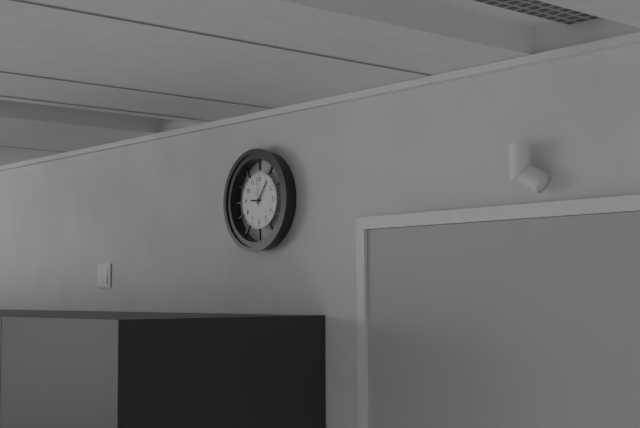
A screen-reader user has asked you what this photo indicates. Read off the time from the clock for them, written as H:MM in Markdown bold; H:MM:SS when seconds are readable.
**9:06**
